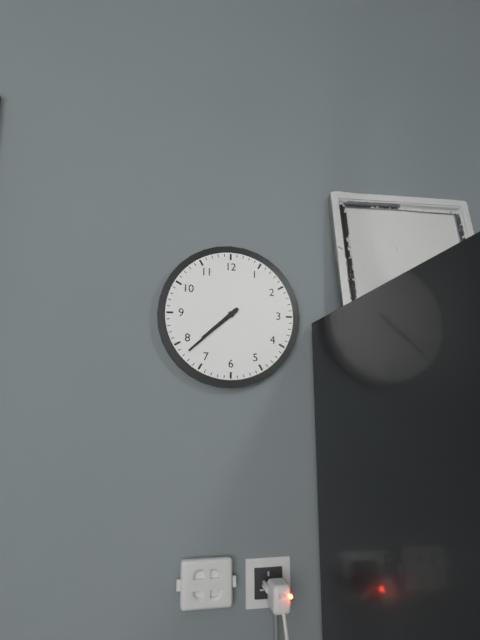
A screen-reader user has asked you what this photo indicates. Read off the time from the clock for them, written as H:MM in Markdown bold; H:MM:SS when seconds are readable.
**7:38**
